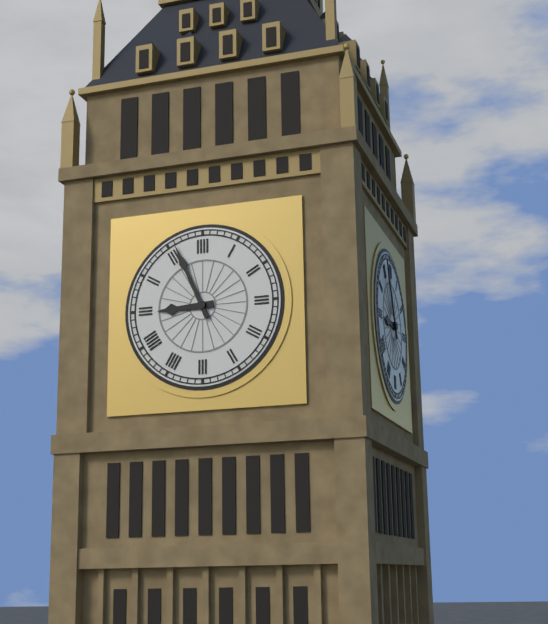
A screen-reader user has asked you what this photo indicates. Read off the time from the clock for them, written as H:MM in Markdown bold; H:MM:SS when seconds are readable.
**8:56**
